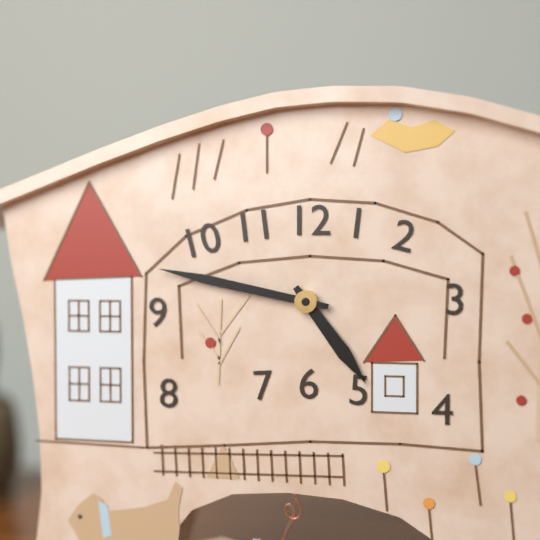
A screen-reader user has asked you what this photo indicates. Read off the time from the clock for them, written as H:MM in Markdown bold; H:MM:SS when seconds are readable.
**4:47**
